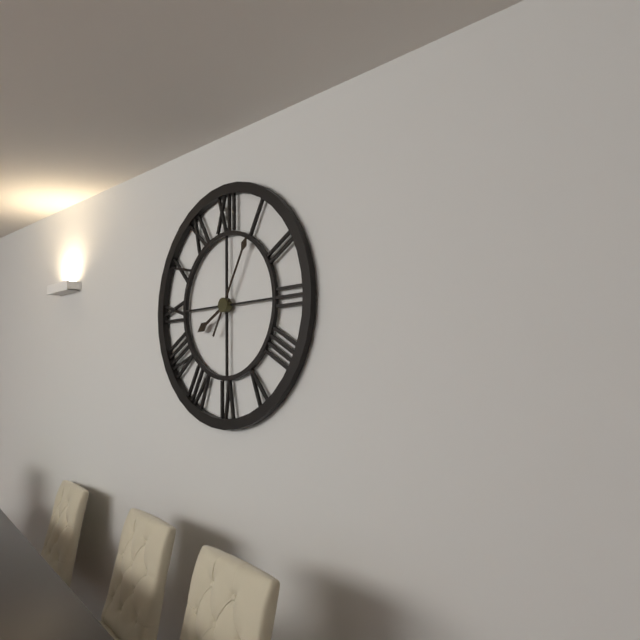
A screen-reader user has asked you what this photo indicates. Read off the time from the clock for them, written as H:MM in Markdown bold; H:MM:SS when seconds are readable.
**8:05**
